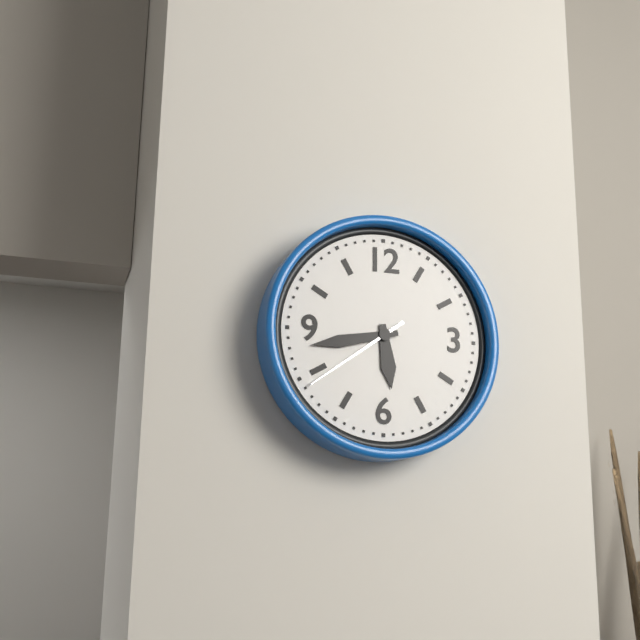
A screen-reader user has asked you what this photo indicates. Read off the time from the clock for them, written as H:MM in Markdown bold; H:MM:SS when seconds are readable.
**5:43:39**
